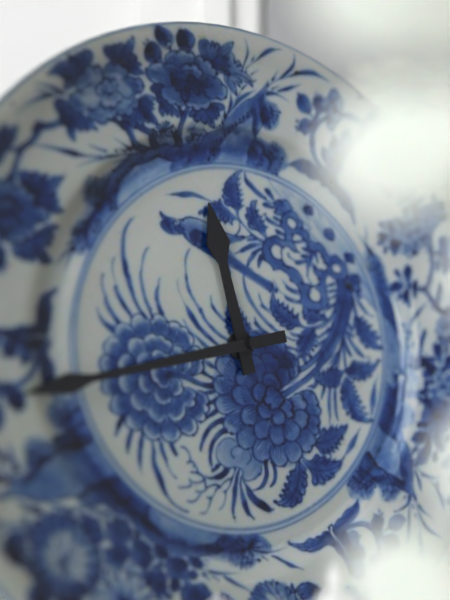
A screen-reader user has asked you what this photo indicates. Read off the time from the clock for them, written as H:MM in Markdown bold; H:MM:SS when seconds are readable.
**11:44**
